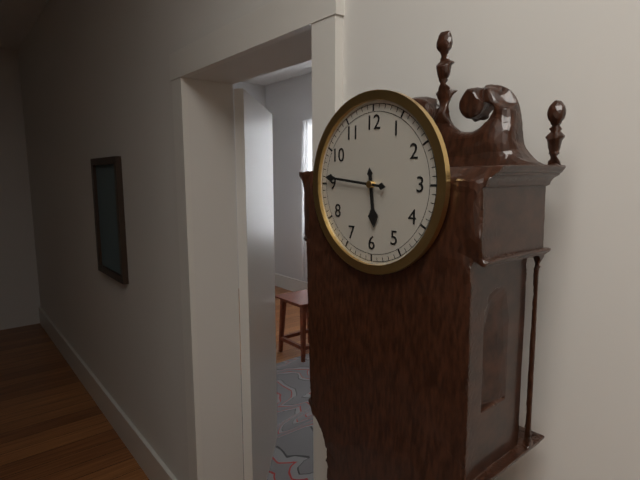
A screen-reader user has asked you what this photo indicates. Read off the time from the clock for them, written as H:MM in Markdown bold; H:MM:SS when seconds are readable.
**5:46**
